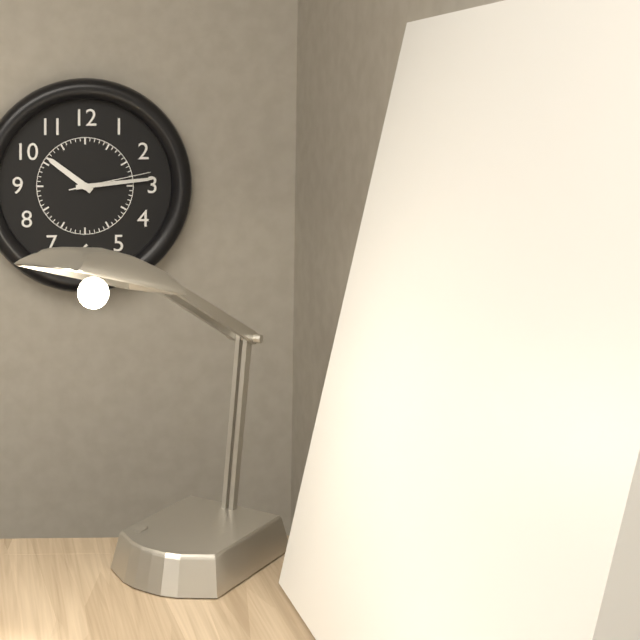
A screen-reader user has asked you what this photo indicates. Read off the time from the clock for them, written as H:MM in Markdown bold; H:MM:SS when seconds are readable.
**10:14:13**
